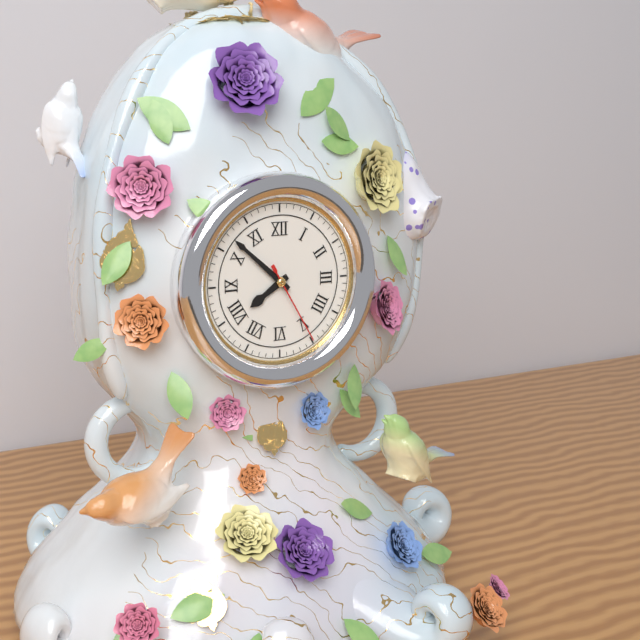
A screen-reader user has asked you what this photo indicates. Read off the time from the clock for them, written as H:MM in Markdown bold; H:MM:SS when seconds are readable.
**7:52:25**
